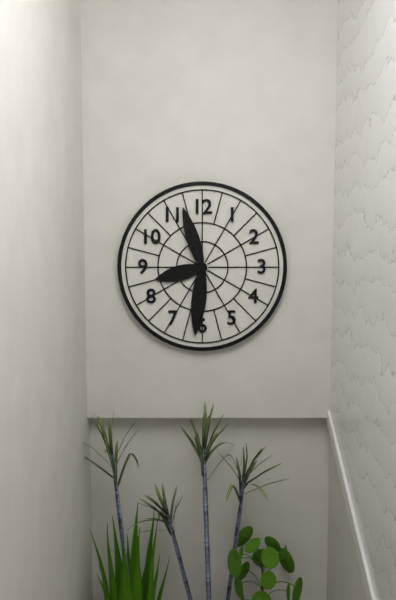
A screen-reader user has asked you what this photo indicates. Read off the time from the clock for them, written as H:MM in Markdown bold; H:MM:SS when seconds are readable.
**8:31:57**
